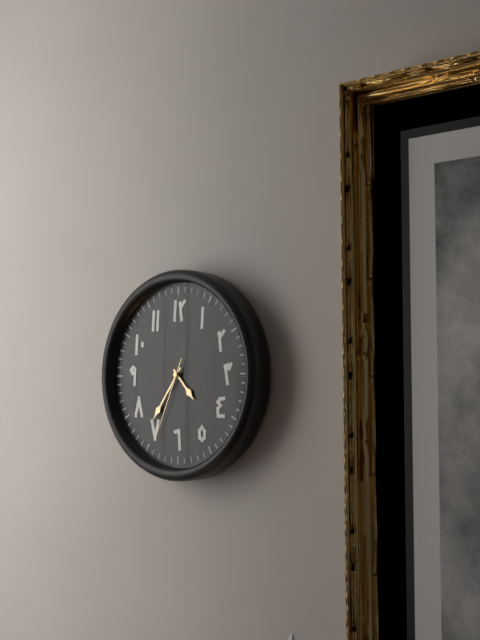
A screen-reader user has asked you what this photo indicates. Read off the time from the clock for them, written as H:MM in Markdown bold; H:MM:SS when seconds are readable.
**4:36:34**
